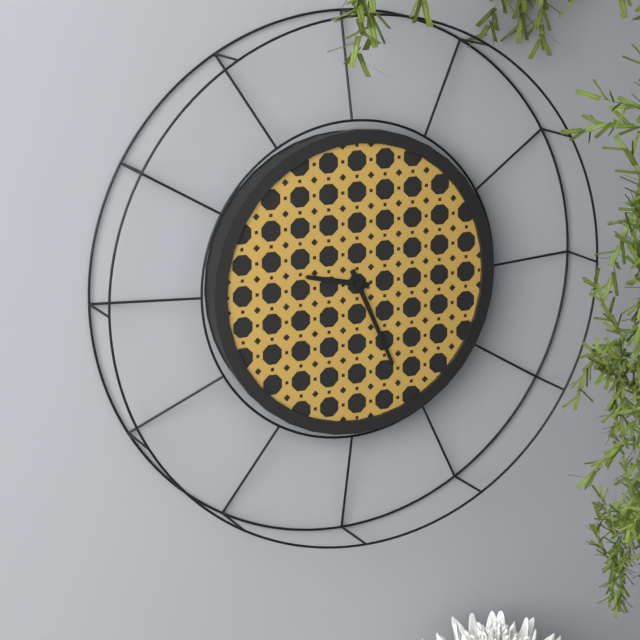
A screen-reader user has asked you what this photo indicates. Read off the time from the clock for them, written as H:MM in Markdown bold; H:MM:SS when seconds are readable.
**9:26**
